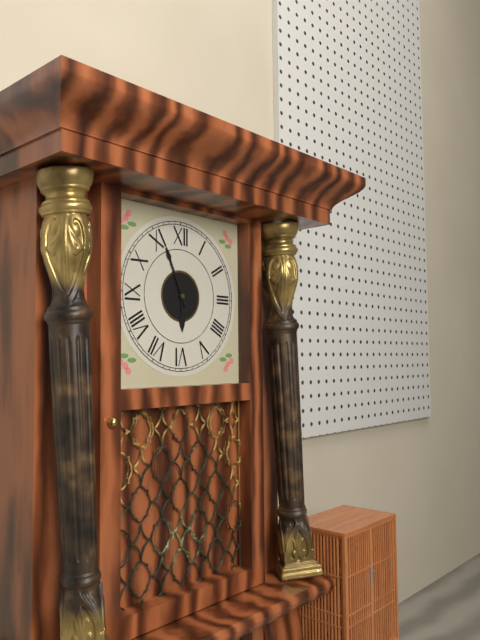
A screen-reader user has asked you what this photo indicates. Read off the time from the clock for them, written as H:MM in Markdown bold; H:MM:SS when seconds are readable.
**5:56**
